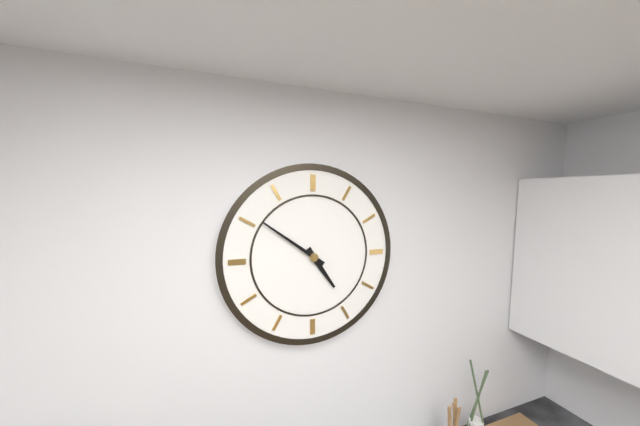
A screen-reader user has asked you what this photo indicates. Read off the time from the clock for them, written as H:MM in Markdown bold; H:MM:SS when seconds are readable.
**4:51**
